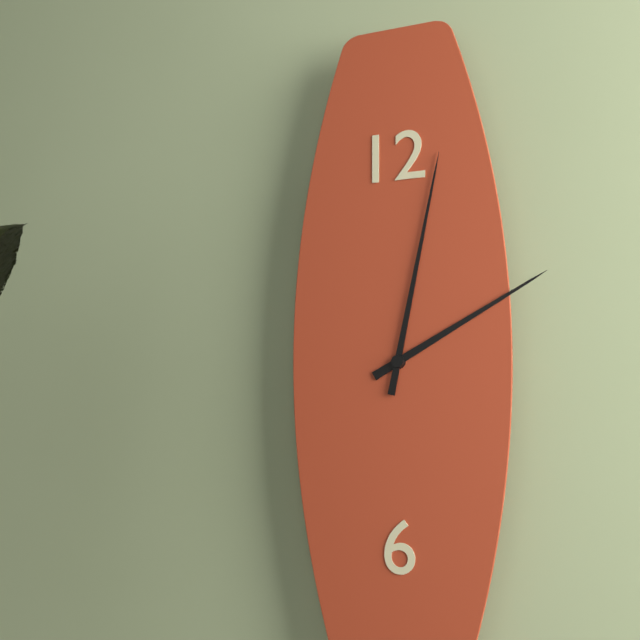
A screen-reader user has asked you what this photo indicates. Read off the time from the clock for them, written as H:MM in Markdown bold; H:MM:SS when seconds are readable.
**2:02**
